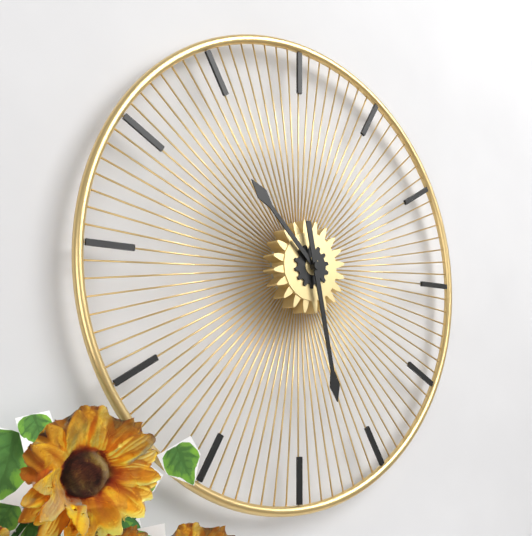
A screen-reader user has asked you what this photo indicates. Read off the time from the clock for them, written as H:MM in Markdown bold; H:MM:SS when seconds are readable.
**10:28**
